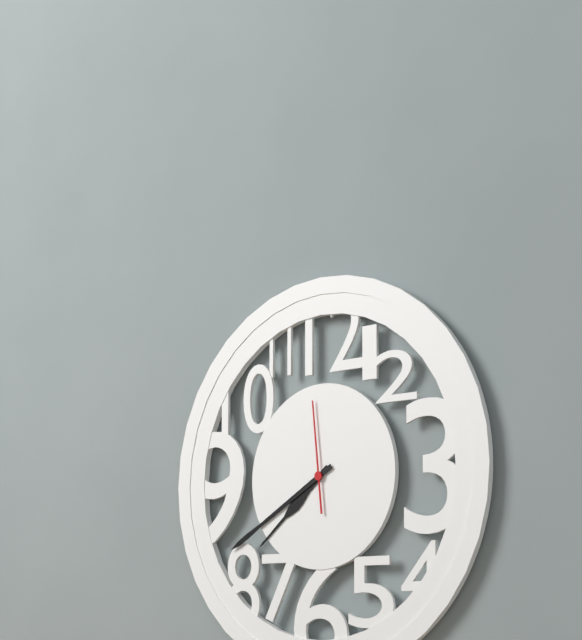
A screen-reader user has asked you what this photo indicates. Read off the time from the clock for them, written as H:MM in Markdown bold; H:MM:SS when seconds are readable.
**7:40:59**
